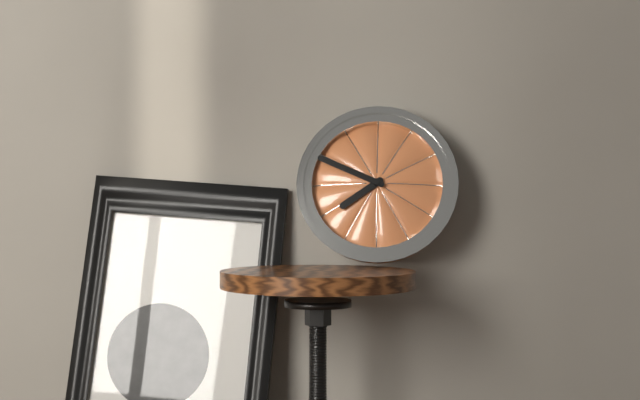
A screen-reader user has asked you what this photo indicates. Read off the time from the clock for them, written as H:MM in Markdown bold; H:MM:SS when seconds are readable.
**7:49**
